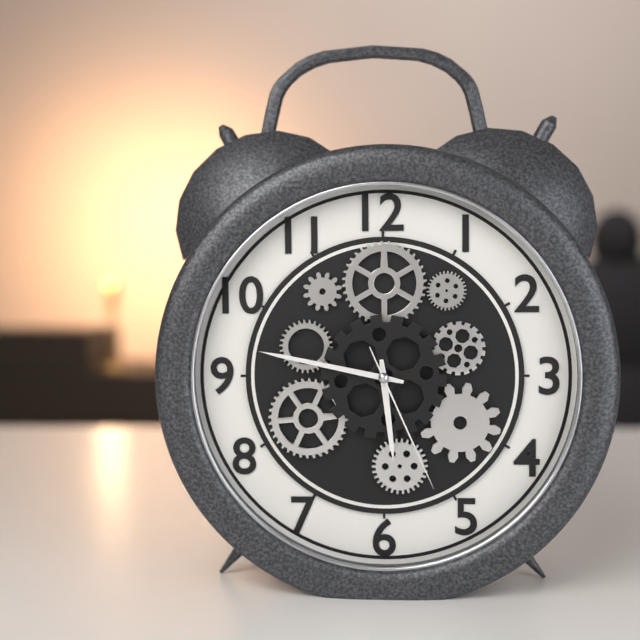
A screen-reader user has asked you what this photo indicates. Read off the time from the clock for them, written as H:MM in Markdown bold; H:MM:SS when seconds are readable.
**5:47:26**
